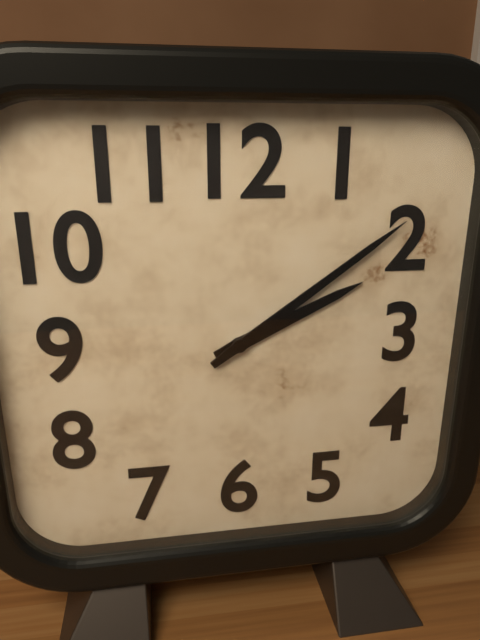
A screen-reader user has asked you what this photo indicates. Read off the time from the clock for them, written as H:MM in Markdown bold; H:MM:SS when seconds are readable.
**2:09**
